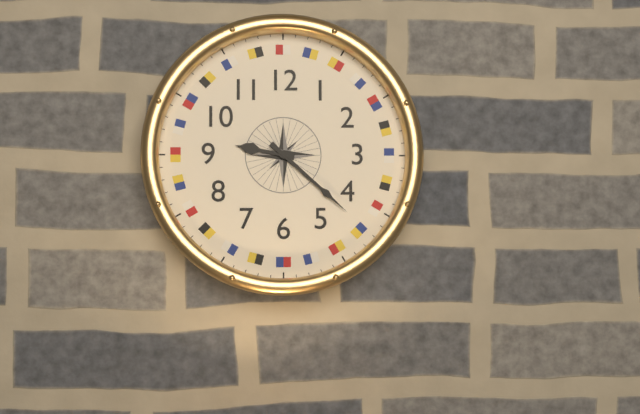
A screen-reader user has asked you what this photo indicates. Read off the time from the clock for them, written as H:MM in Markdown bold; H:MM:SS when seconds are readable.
**9:22**
